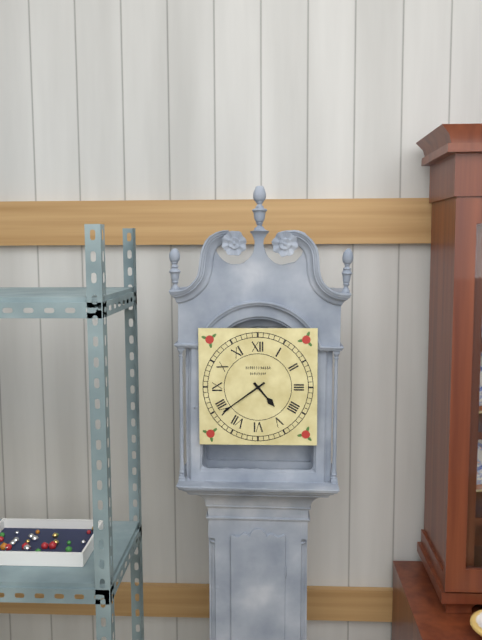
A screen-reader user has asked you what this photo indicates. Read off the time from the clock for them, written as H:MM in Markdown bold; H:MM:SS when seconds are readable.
**4:39**
